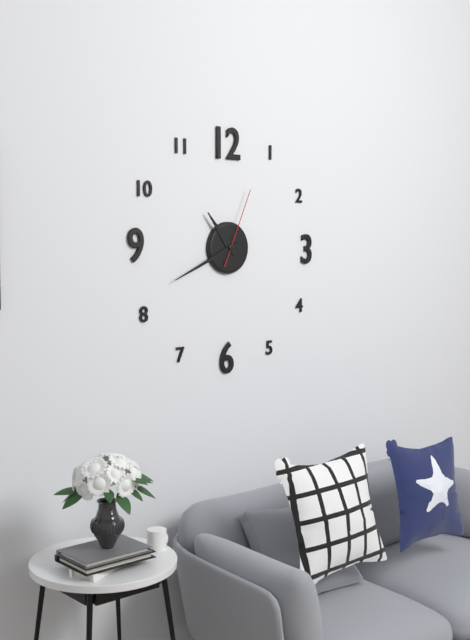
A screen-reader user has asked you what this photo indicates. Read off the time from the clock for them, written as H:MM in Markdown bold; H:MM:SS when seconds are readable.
**10:41:04**
